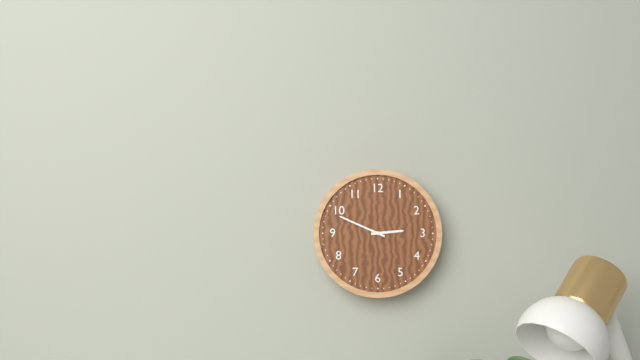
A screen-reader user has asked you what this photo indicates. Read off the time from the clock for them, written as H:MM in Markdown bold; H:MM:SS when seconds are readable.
**2:49**
